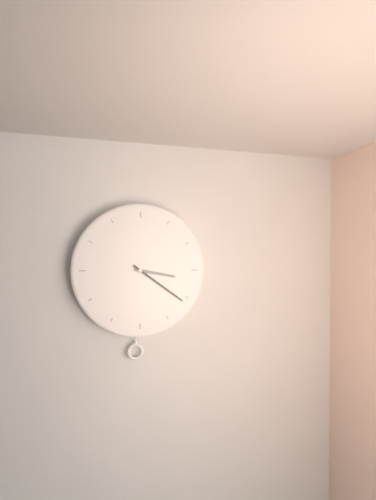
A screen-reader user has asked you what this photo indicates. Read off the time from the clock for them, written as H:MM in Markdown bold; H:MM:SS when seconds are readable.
**3:21**
